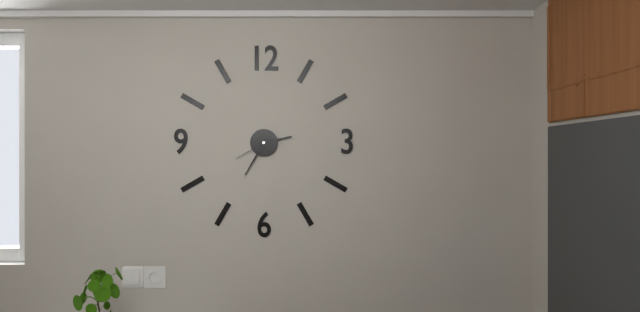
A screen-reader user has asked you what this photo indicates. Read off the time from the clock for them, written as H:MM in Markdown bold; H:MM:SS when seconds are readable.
**2:35**
